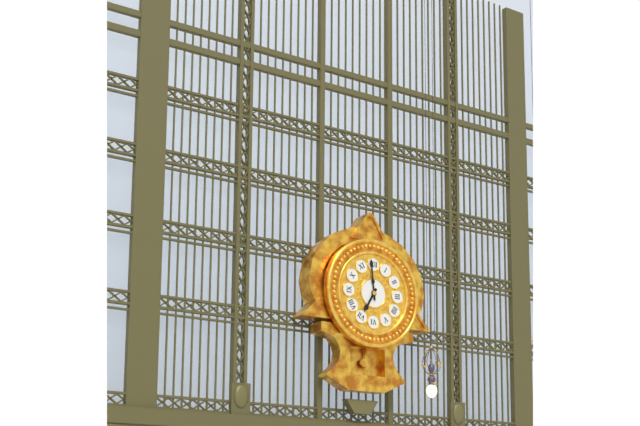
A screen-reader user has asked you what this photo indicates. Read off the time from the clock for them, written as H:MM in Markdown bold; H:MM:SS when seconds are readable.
**6:59**
